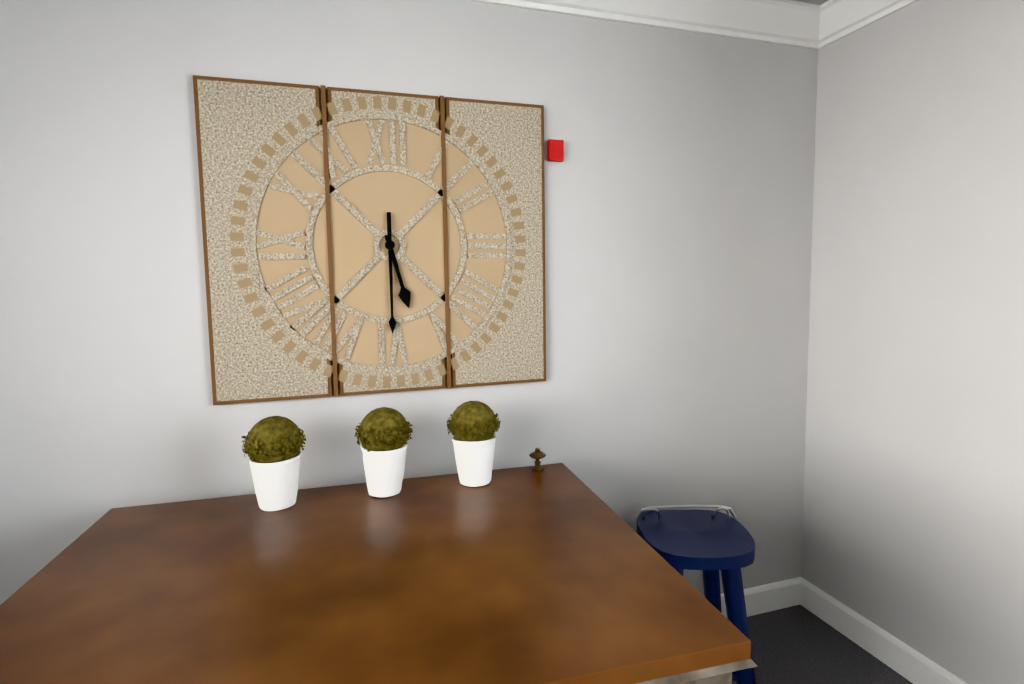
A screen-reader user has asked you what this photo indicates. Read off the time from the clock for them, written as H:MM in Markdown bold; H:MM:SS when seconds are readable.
**5:30**
